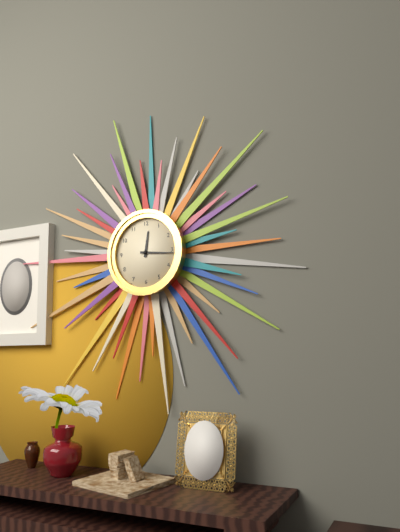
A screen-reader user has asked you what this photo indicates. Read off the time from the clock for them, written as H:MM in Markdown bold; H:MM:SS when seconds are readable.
**12:16**
